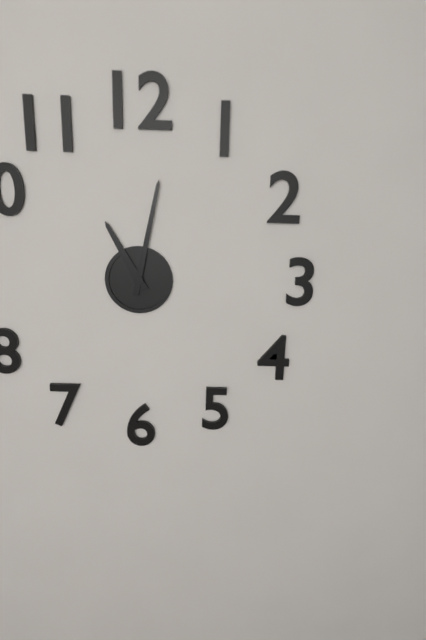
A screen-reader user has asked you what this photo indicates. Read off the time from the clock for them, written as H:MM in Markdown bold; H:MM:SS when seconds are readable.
**11:02**
